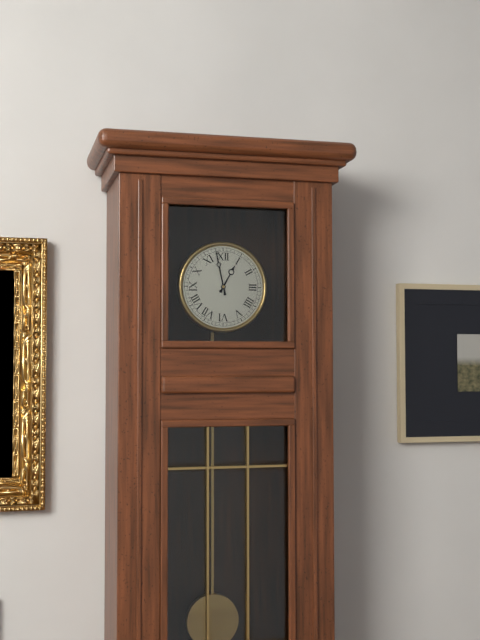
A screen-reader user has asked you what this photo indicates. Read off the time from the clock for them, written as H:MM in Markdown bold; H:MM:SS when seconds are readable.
**12:58**
